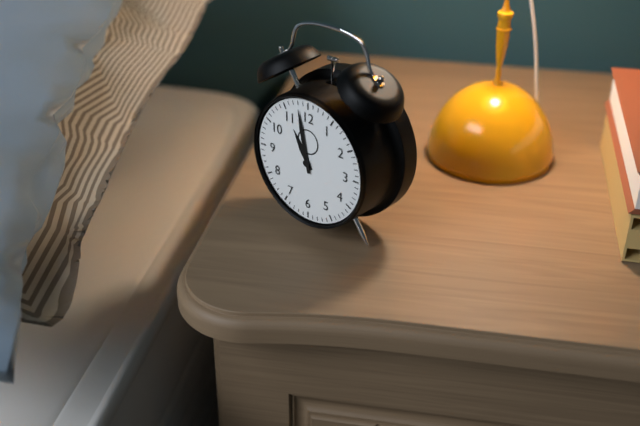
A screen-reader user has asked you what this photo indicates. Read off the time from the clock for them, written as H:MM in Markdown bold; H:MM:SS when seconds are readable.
**10:58**
